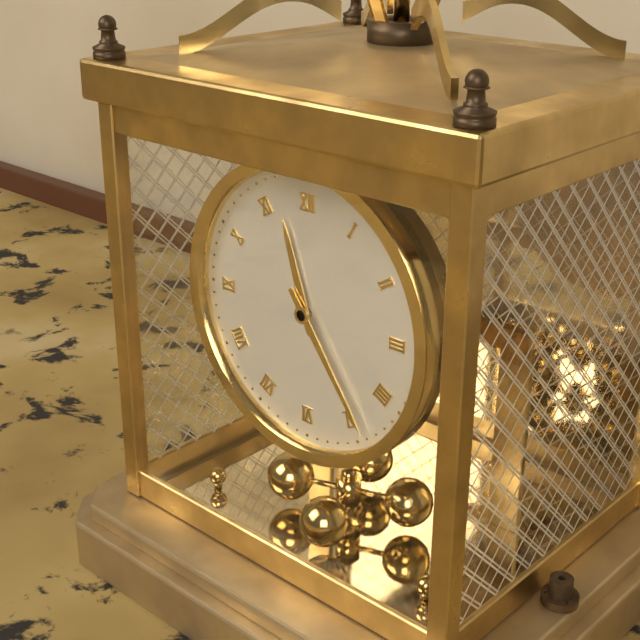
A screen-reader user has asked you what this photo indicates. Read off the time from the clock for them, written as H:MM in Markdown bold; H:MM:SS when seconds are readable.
**11:24**
